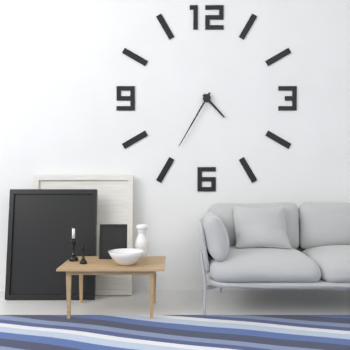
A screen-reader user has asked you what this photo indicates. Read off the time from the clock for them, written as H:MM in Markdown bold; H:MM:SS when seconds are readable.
**4:35**
